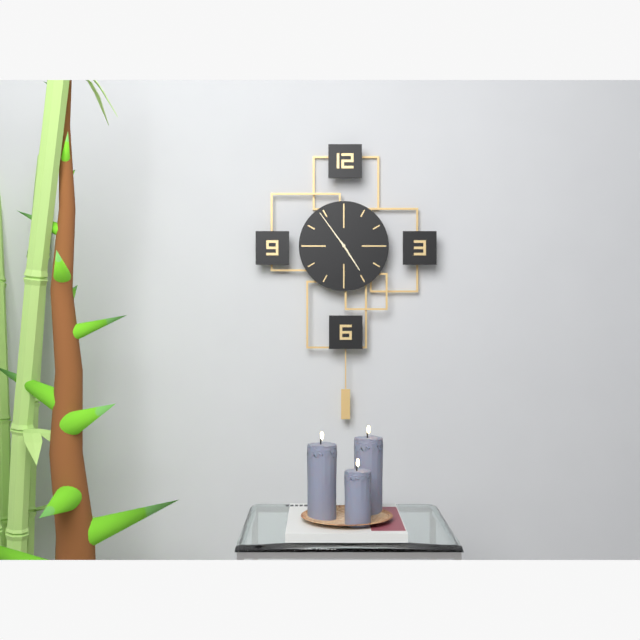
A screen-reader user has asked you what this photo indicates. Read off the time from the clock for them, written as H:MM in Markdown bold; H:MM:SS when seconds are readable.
**4:54**
